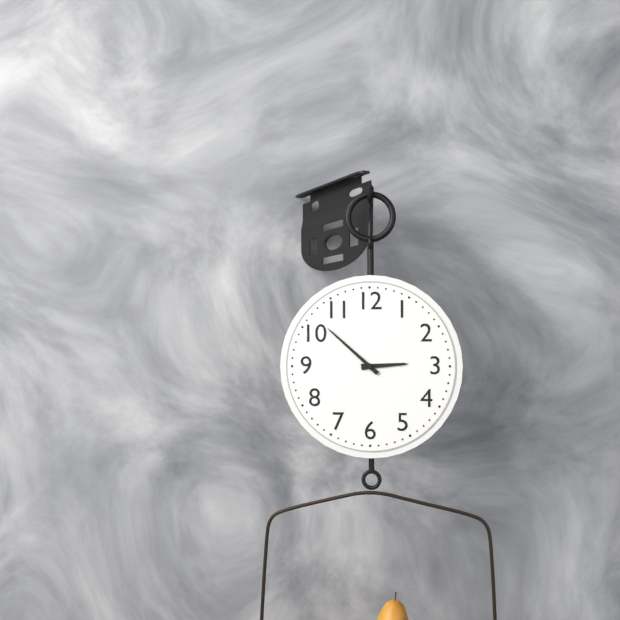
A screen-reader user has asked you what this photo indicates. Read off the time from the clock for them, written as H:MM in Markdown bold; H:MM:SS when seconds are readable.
**2:52**
